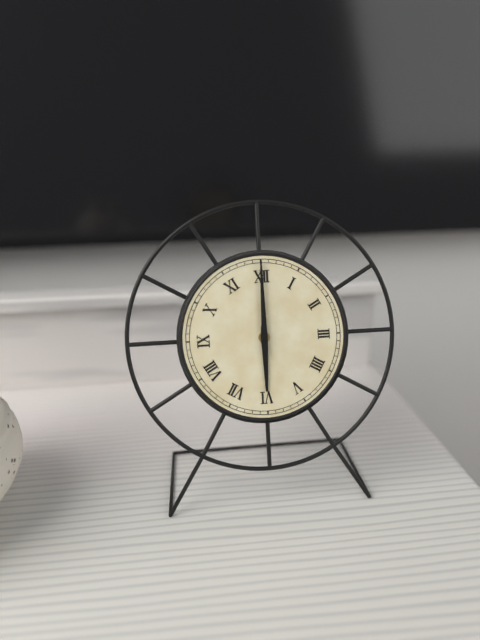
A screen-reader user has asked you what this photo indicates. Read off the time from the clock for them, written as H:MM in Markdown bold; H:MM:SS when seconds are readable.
**6:00**
